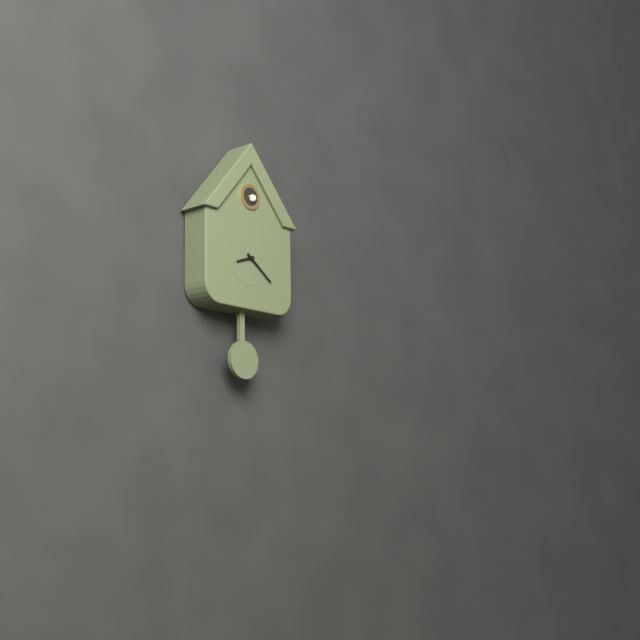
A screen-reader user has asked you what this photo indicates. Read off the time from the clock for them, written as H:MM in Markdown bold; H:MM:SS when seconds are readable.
**8:21**
